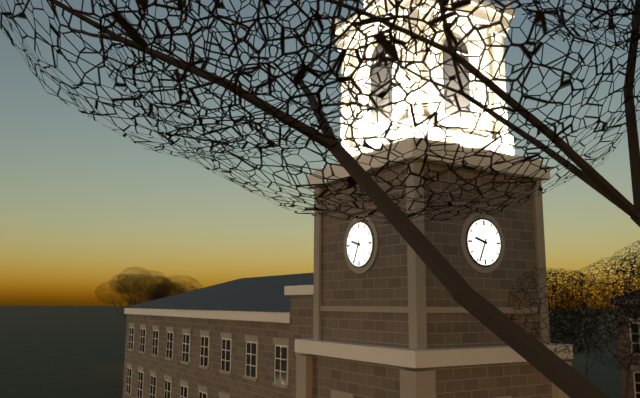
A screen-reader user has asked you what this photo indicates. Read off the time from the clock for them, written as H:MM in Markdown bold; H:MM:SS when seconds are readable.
**9:34**
